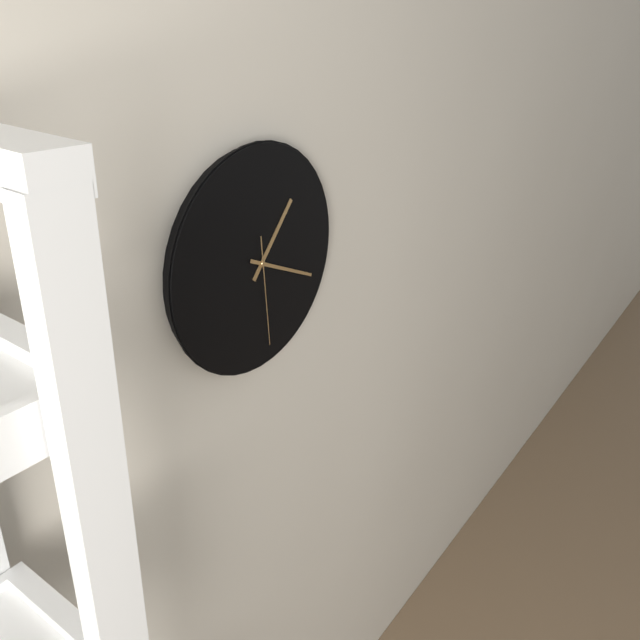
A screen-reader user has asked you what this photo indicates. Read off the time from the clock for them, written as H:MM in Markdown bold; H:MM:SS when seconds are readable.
**1:19:29**
